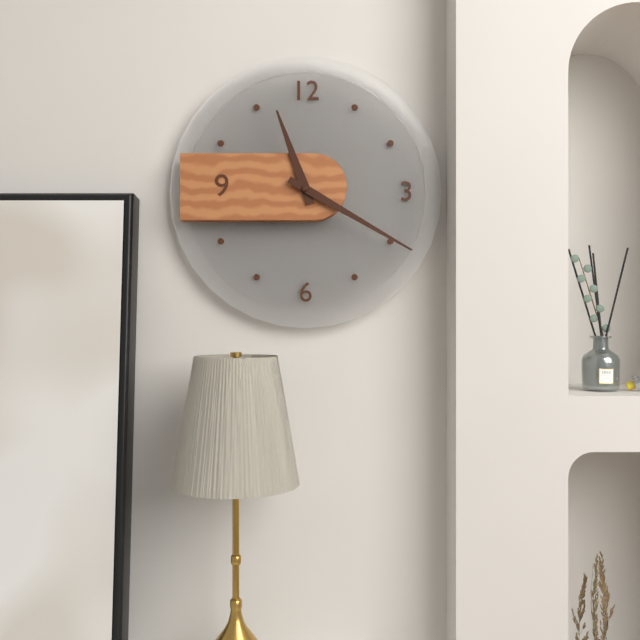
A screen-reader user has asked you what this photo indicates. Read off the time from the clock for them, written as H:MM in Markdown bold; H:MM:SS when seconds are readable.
**11:20**
